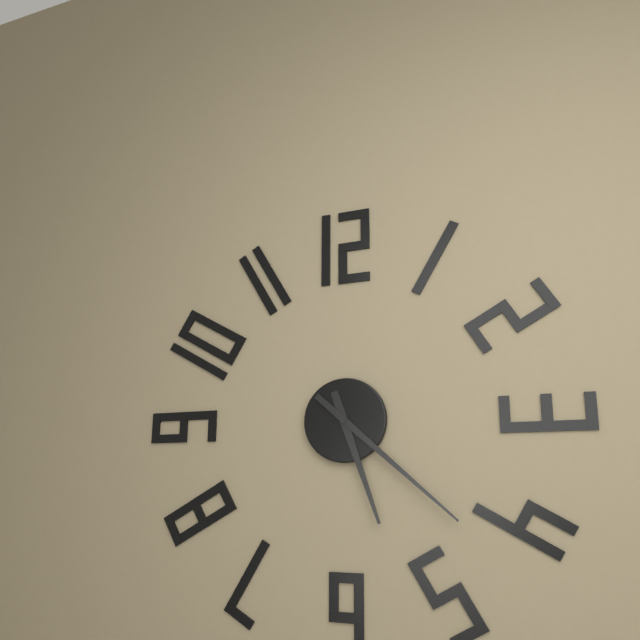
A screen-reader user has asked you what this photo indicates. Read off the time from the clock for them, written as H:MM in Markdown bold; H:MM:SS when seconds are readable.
**5:22**
